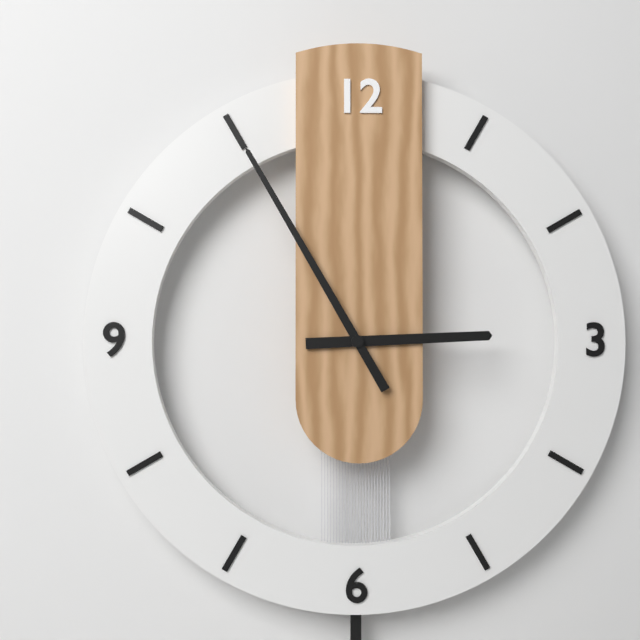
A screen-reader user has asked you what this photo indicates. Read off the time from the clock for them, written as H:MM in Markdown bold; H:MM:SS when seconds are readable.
**2:55**
